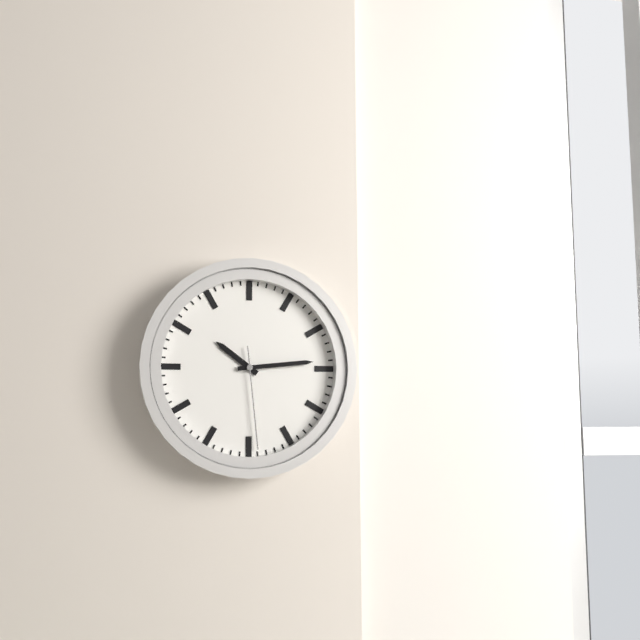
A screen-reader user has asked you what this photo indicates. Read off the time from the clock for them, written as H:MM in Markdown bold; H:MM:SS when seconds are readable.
**10:14:29**
